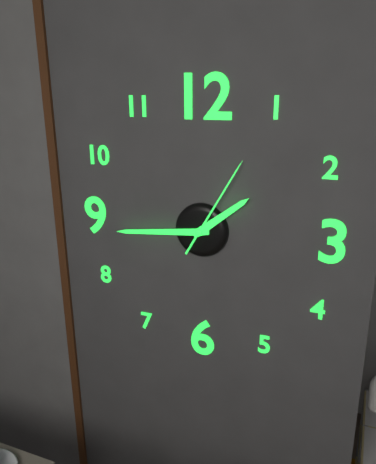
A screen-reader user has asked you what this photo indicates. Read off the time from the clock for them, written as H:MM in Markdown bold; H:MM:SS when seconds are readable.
**1:44:05**
